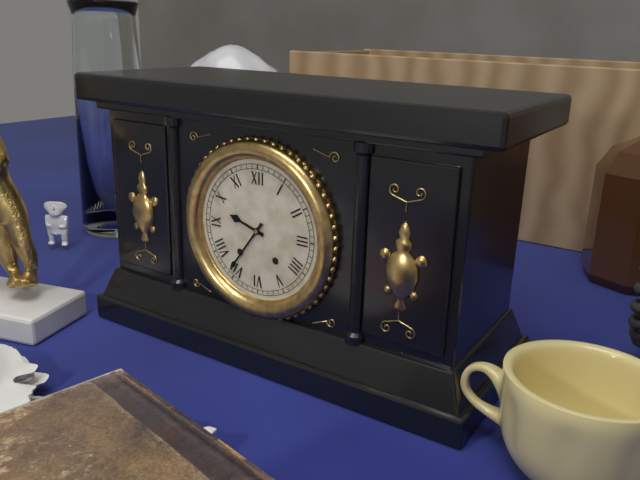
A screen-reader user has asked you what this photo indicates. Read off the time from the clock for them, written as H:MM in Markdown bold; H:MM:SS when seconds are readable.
**9:36**
